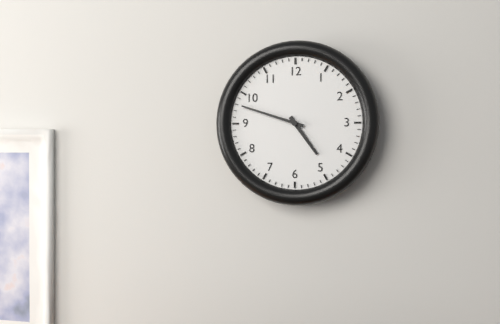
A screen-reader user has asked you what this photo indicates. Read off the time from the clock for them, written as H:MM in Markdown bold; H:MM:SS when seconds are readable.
**4:48**
